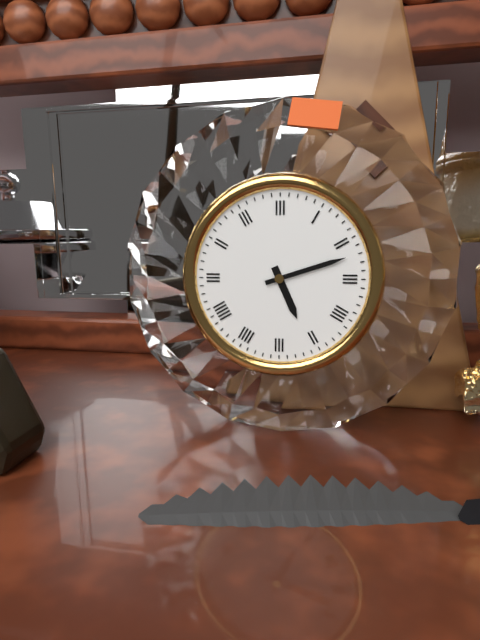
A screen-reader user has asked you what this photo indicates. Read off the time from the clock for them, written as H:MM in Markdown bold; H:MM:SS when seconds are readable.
**5:12**
